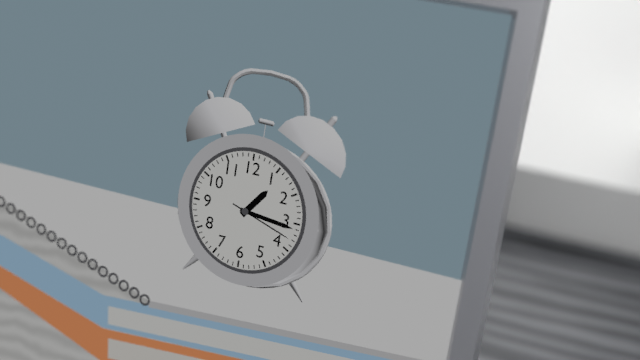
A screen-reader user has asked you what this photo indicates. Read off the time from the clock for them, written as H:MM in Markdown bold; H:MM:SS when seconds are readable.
**1:16:18**
